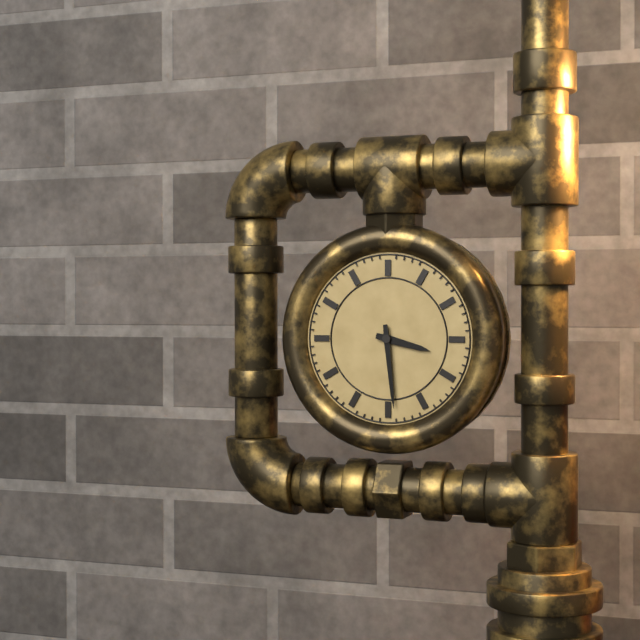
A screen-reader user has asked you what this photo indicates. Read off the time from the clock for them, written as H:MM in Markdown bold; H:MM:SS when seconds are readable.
**3:29**
